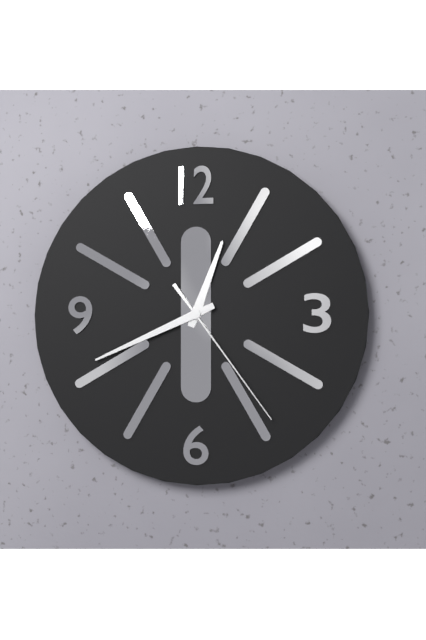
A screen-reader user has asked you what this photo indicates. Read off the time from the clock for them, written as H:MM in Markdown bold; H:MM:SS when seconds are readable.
**12:41:24**
